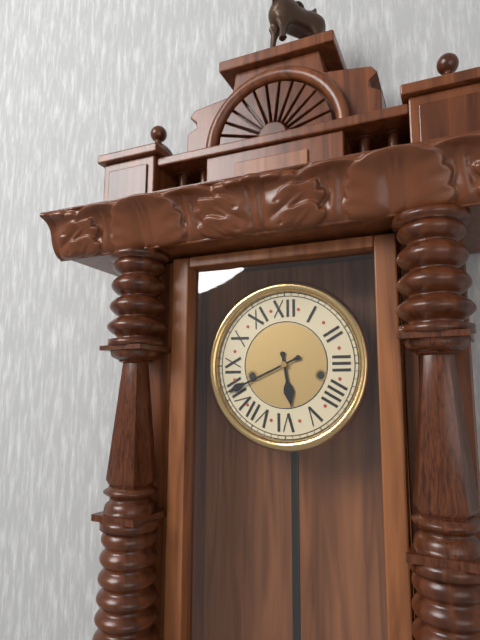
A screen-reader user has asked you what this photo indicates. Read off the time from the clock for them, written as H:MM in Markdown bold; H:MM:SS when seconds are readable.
**5:41**
